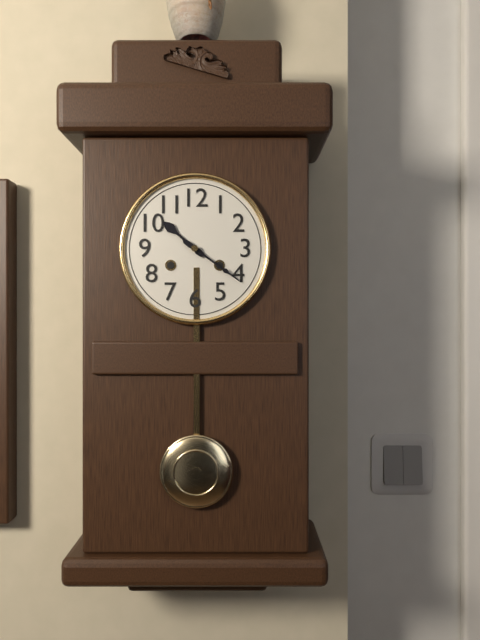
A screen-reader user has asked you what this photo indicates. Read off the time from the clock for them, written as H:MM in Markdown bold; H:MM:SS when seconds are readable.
**10:21**
